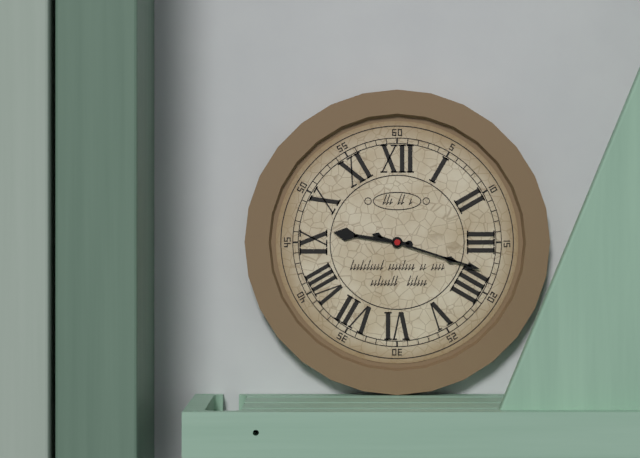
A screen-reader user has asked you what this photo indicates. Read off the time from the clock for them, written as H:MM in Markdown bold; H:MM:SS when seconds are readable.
**9:18**
